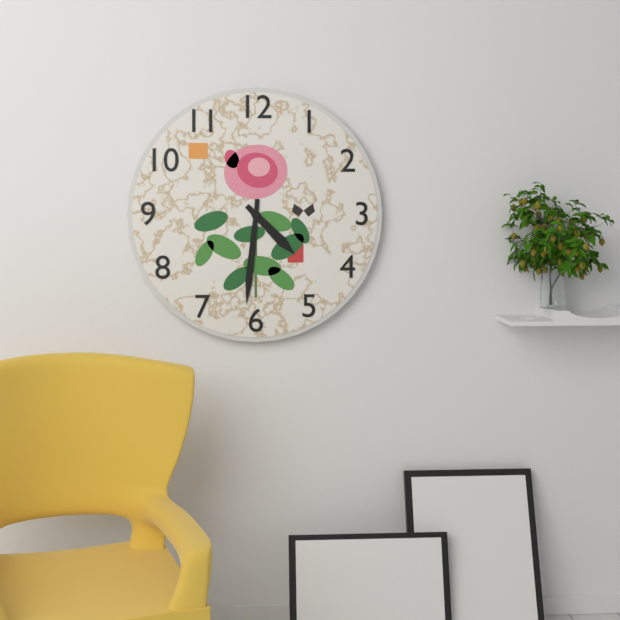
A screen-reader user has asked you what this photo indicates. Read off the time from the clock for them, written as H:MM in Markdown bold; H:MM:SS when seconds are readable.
**4:31**
